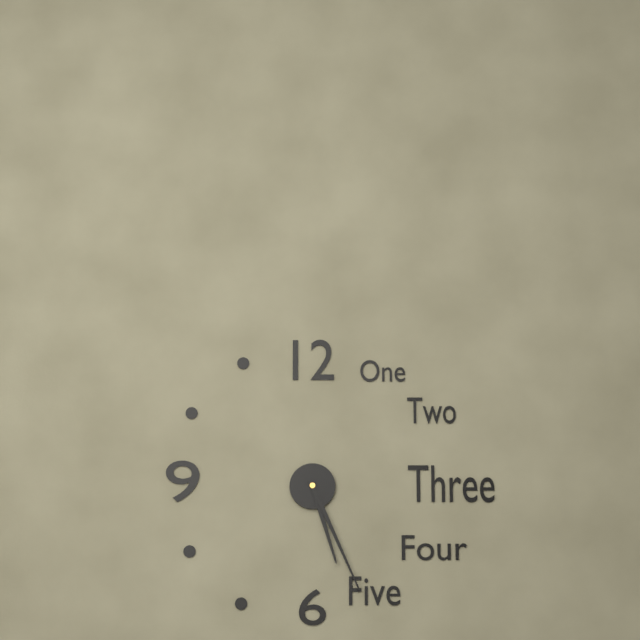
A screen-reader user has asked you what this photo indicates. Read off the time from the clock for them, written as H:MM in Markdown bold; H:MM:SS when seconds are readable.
**5:26**
